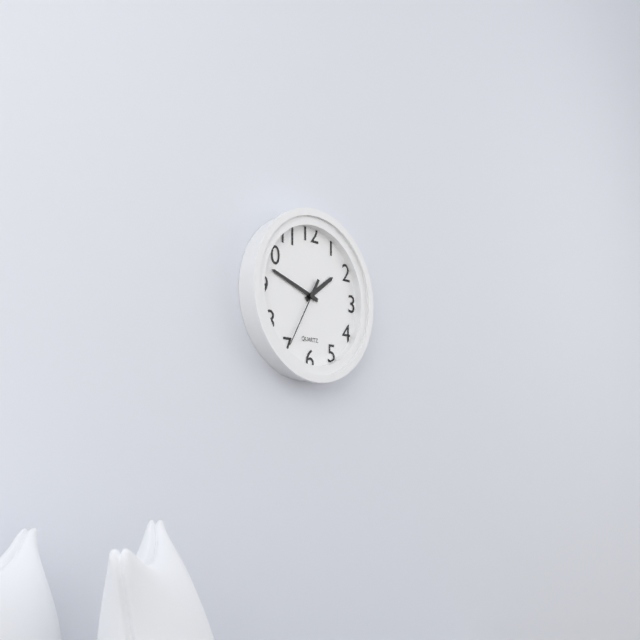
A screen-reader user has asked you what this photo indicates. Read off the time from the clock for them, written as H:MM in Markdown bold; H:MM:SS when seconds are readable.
**1:48:35**
